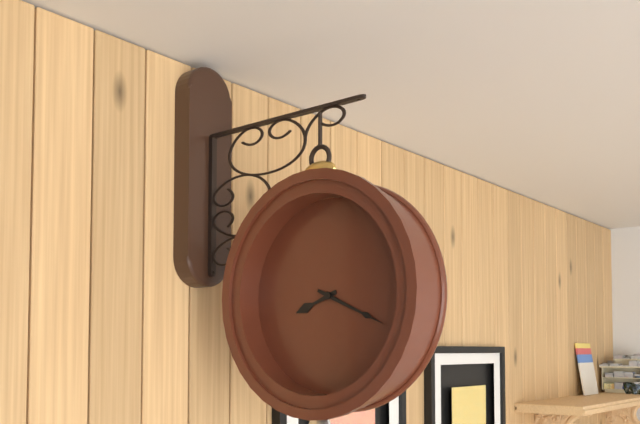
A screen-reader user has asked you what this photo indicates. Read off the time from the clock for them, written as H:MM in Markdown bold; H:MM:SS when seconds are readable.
**8:19**
